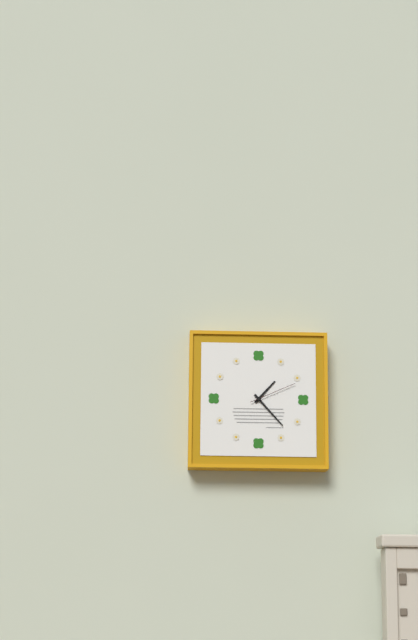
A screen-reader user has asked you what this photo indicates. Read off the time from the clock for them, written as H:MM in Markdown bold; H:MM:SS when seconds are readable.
**1:23**
